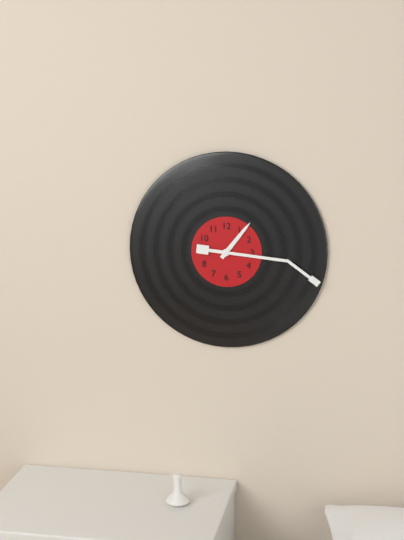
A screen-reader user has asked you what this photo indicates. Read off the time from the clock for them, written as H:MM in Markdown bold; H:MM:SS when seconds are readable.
**1:16**
